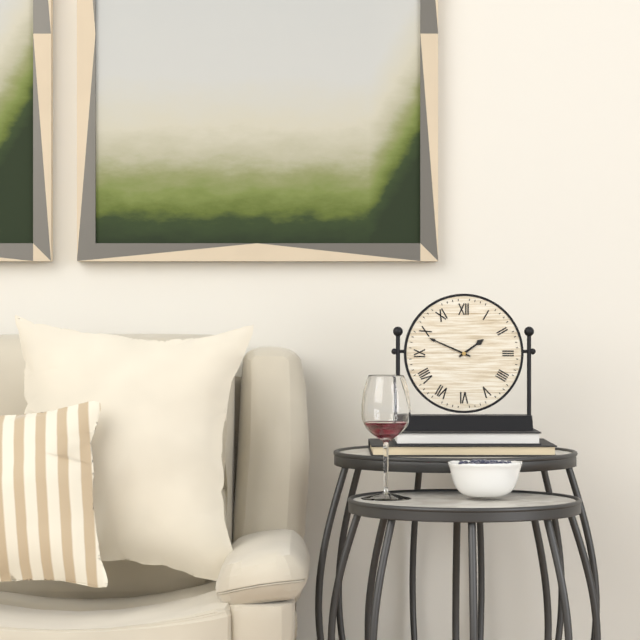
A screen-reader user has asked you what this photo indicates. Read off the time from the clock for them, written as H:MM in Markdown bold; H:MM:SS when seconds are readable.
**1:49**
